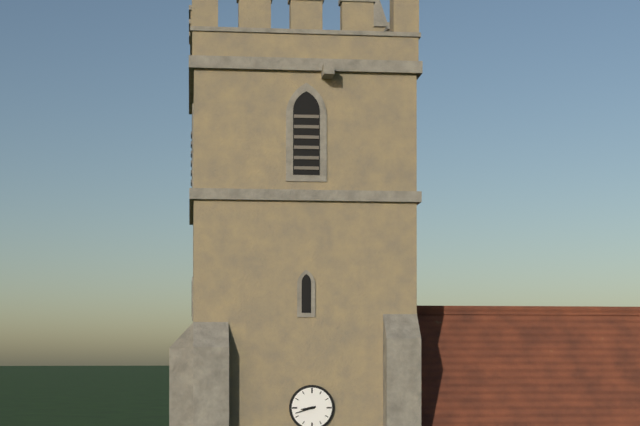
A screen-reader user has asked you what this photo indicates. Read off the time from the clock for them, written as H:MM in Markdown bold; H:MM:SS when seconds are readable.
**8:42**
